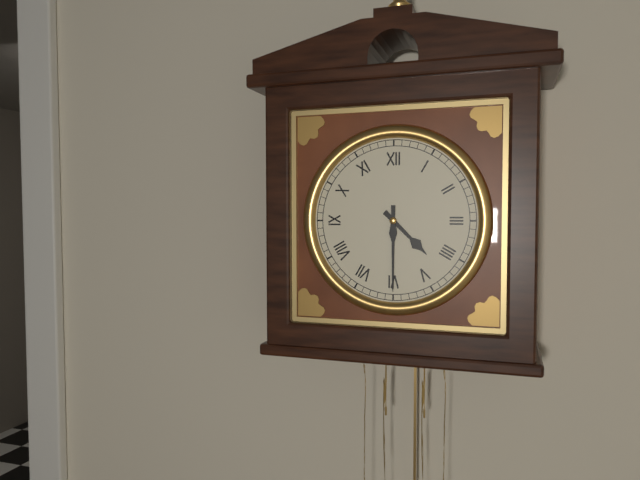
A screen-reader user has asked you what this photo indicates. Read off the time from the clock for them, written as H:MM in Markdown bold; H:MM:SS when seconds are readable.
**4:30**
